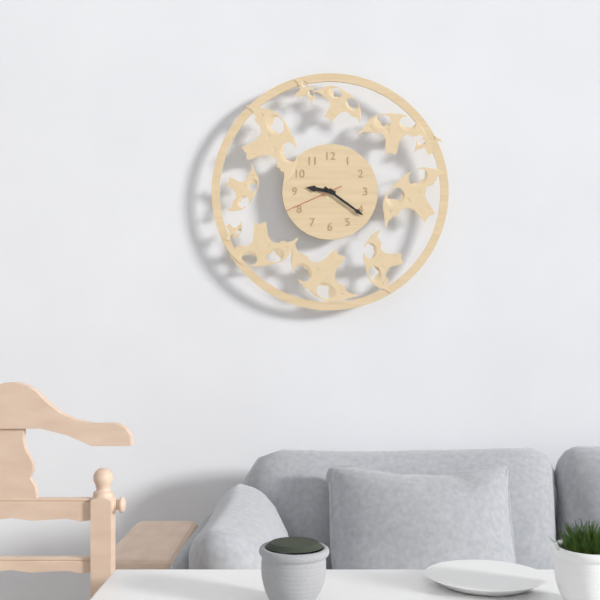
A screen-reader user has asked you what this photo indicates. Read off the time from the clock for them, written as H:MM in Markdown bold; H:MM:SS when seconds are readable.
**9:21:41**
